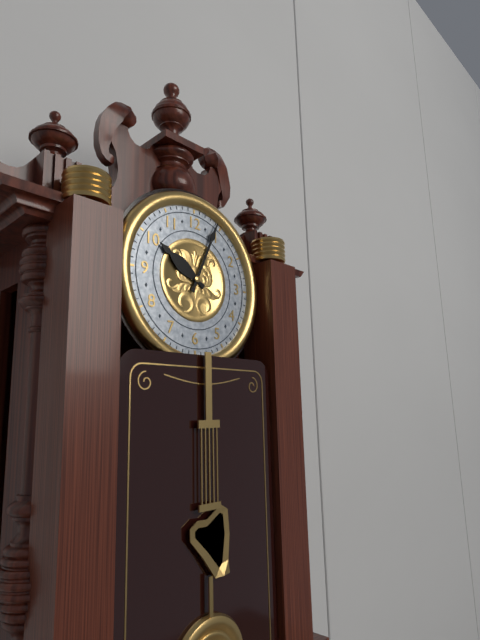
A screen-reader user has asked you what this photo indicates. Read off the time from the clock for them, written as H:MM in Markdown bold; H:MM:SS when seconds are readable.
**10:04**
